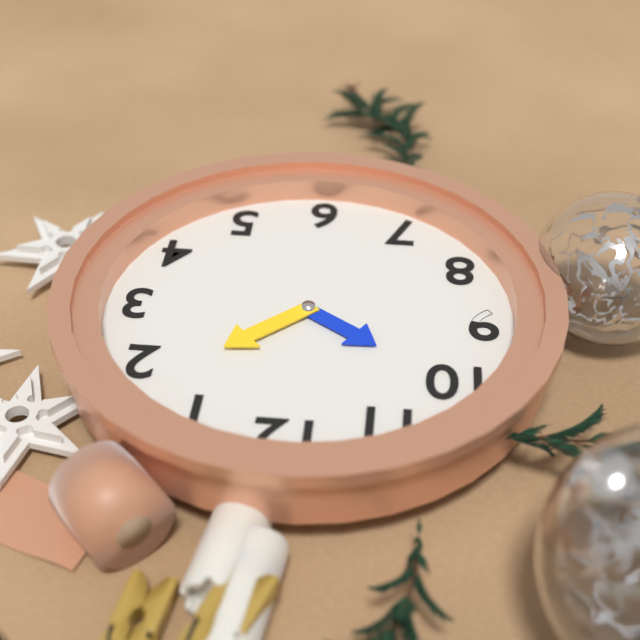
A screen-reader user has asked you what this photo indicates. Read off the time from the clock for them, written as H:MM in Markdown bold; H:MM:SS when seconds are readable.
**10:08**
